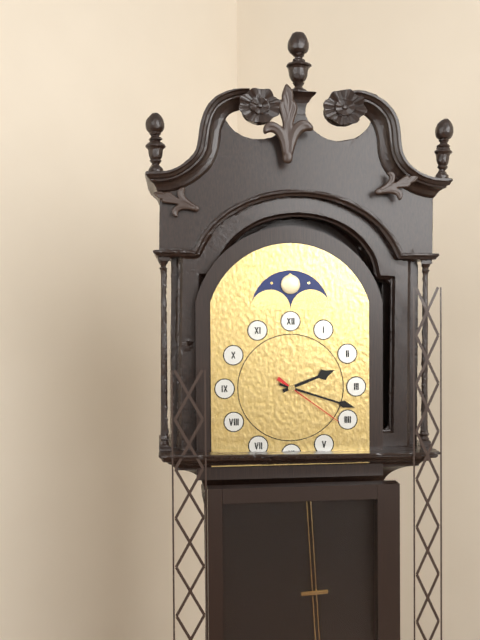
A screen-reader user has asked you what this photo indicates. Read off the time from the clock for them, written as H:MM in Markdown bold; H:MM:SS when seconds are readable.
**2:18:21**
